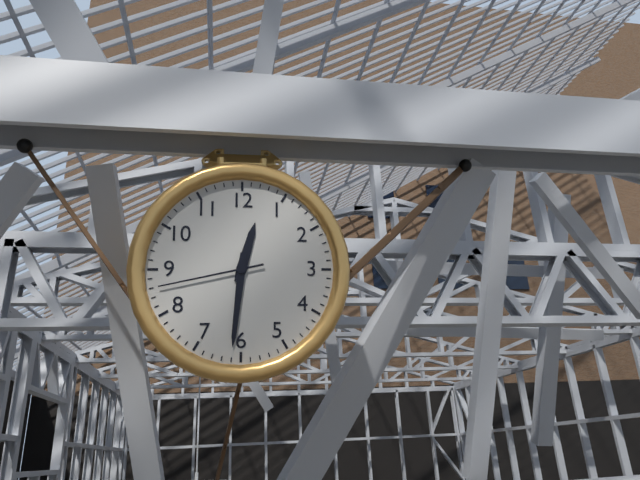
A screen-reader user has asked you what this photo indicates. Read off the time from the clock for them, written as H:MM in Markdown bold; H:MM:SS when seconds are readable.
**12:31:43**
